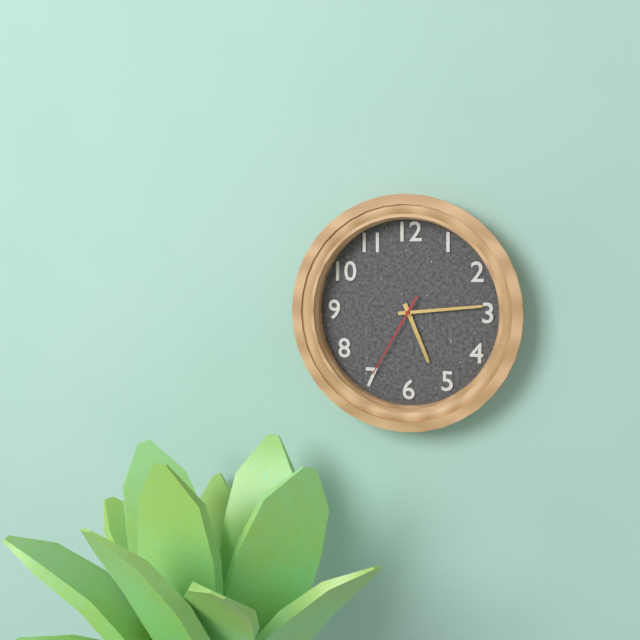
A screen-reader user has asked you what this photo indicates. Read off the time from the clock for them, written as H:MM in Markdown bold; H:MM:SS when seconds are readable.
**5:14:35**
